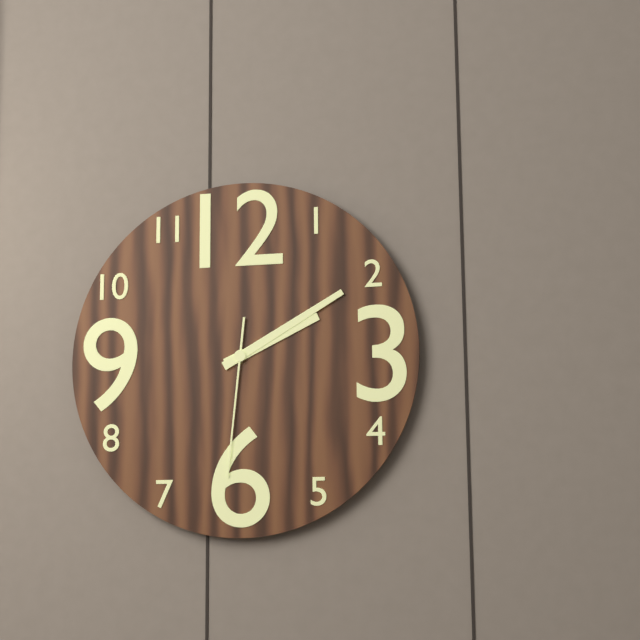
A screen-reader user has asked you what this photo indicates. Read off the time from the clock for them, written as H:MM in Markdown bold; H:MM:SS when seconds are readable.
**2:10:31**
